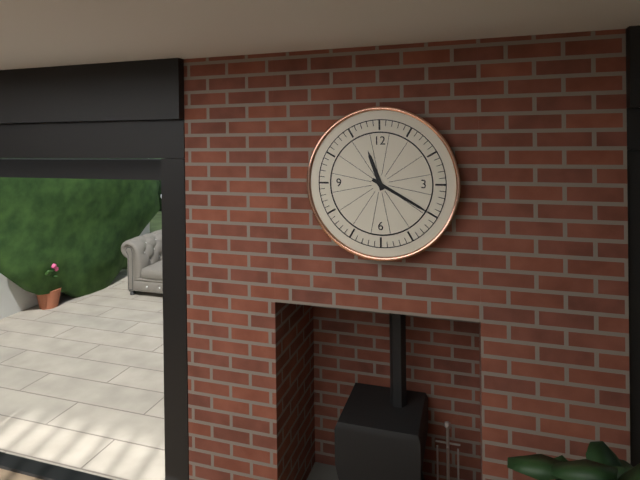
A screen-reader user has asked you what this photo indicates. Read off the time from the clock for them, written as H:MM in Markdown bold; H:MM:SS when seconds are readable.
**11:20**
